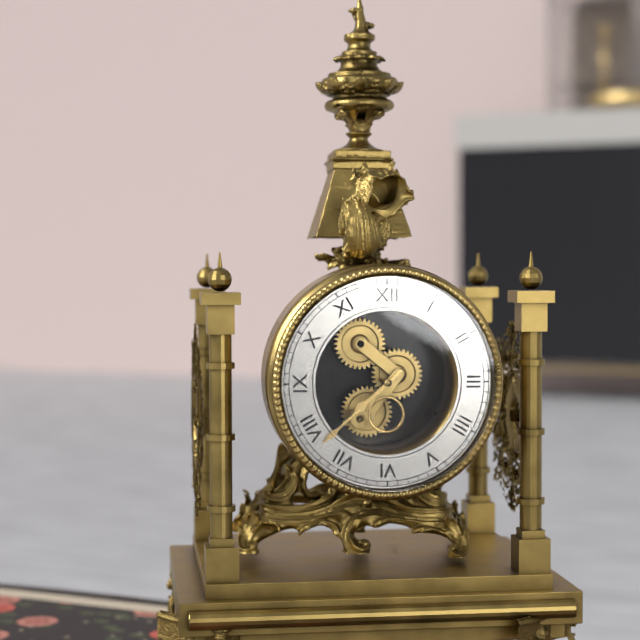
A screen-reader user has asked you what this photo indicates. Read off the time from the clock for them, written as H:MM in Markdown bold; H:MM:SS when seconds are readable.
**7:38**
